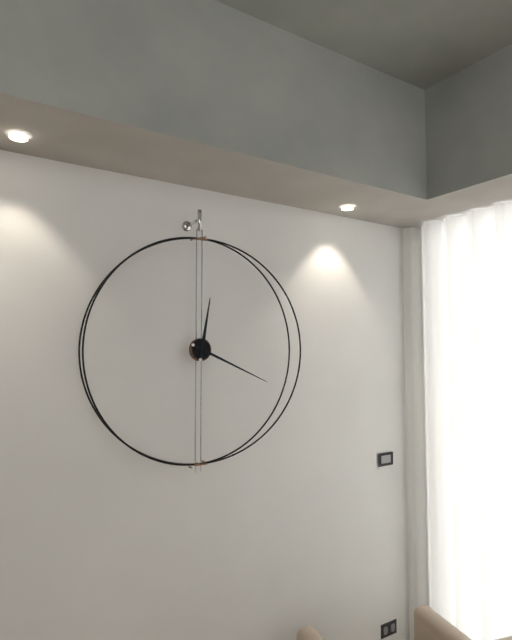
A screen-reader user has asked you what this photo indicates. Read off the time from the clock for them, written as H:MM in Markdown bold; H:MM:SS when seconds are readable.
**12:19**
